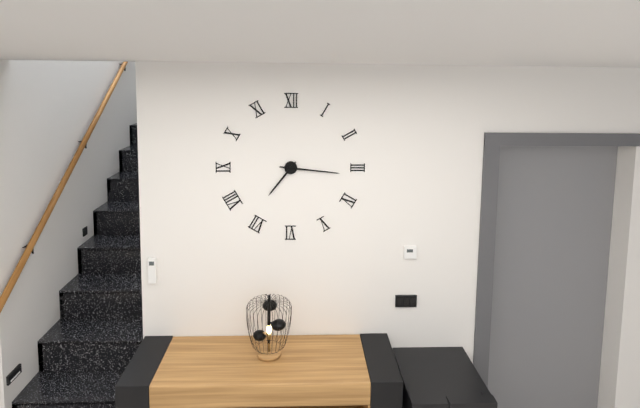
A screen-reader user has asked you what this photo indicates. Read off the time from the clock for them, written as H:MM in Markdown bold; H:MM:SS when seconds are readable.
**7:16**
